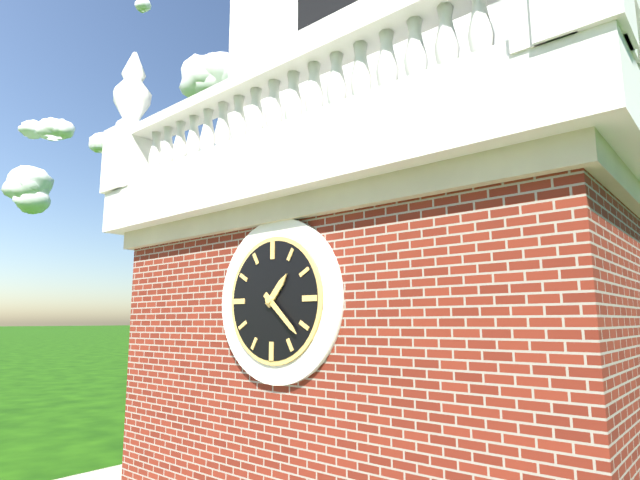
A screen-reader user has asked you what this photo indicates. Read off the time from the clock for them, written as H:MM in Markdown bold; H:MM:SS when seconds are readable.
**1:22**
